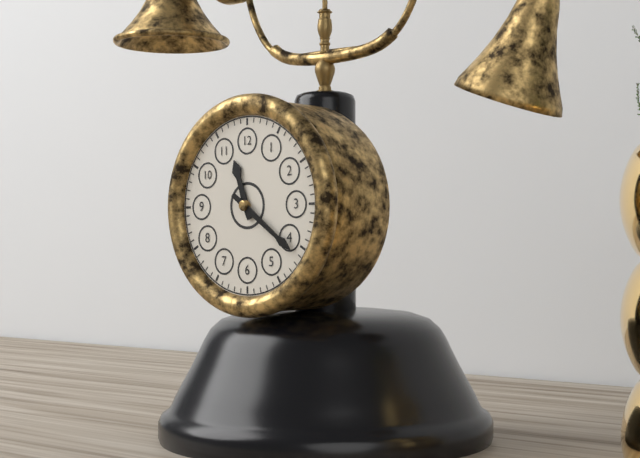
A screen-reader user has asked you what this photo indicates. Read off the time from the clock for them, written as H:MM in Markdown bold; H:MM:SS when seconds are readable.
**11:21**
